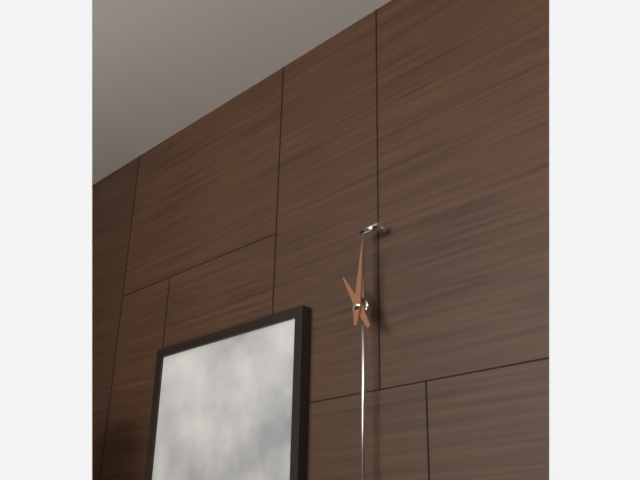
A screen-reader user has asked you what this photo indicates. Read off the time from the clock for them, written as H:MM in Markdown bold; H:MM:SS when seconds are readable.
**11:01**
